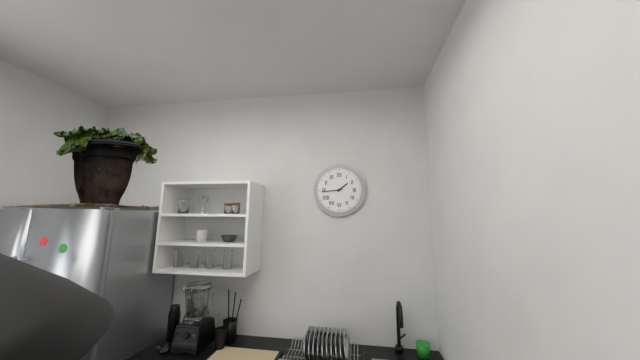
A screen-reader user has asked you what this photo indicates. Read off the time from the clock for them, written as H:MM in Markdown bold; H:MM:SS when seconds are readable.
**1:44**
